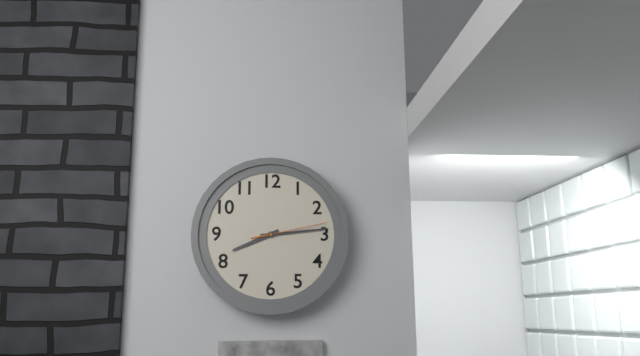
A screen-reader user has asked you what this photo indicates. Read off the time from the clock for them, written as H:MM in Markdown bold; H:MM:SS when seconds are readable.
**8:14:13**
